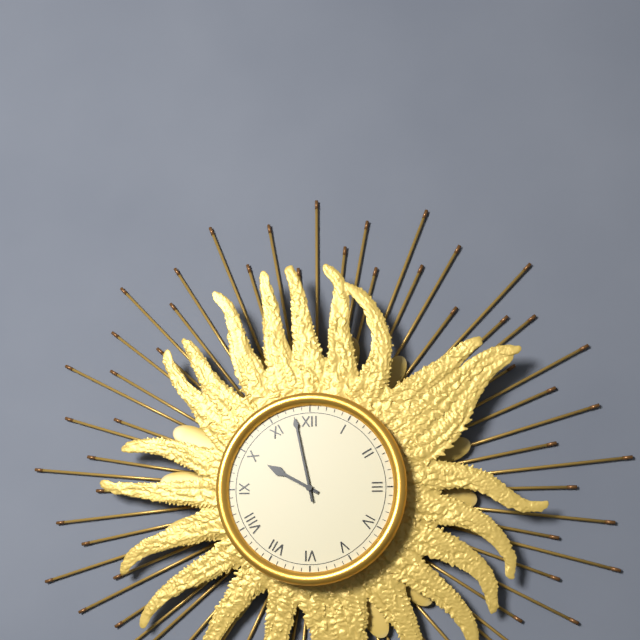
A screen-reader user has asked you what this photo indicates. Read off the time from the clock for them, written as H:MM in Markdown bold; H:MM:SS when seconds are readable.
**9:58**
